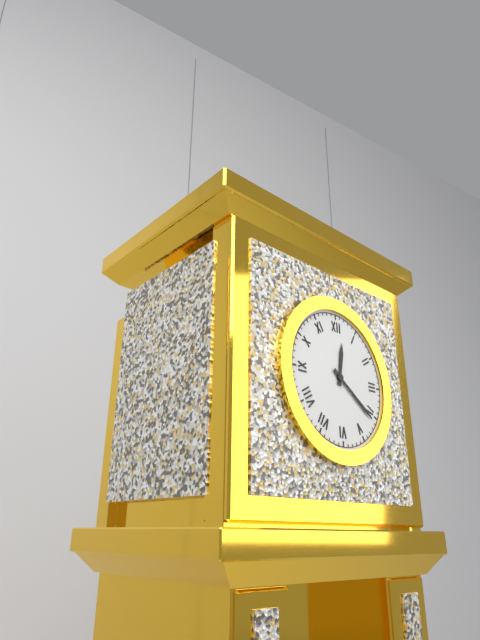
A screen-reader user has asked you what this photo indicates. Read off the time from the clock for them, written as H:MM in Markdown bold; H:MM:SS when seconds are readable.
**12:21**
